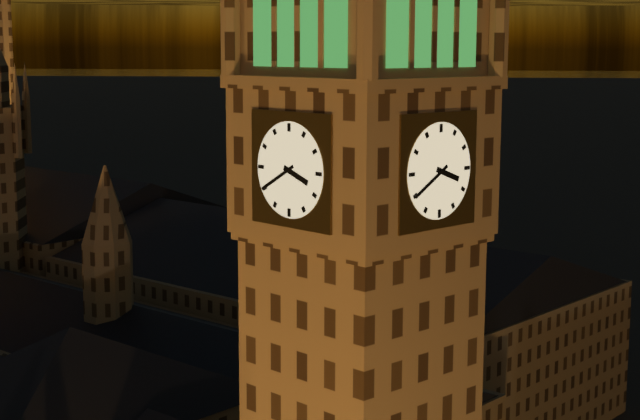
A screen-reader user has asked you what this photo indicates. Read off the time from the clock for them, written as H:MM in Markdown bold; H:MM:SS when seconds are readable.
**3:40**
